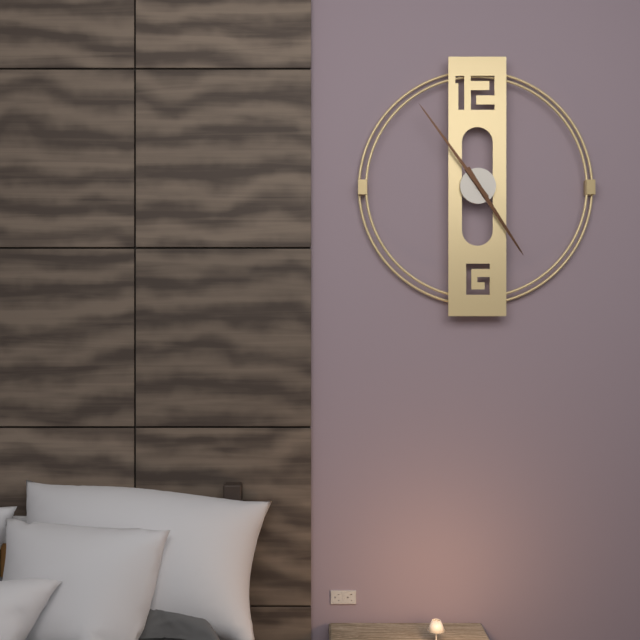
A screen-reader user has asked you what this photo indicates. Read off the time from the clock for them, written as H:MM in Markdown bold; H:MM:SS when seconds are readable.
**4:54**
